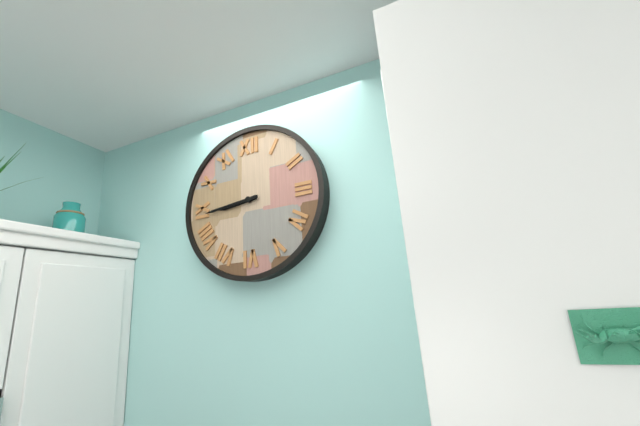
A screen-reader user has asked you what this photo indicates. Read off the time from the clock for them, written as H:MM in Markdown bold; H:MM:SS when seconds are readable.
**8:44**
